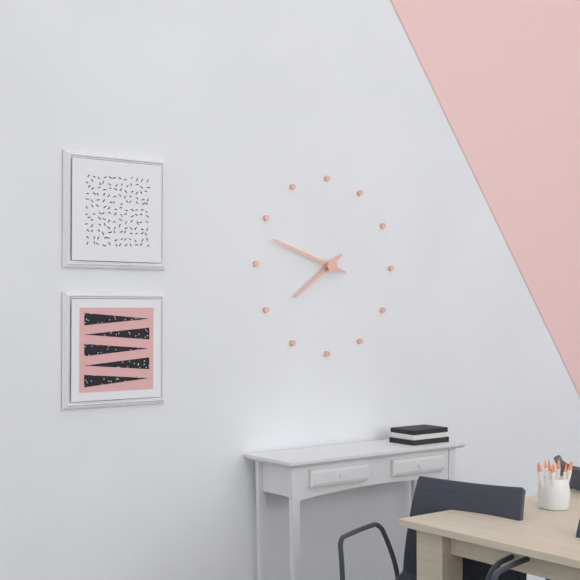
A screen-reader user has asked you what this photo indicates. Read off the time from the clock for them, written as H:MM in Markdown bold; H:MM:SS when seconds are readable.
**7:48**
